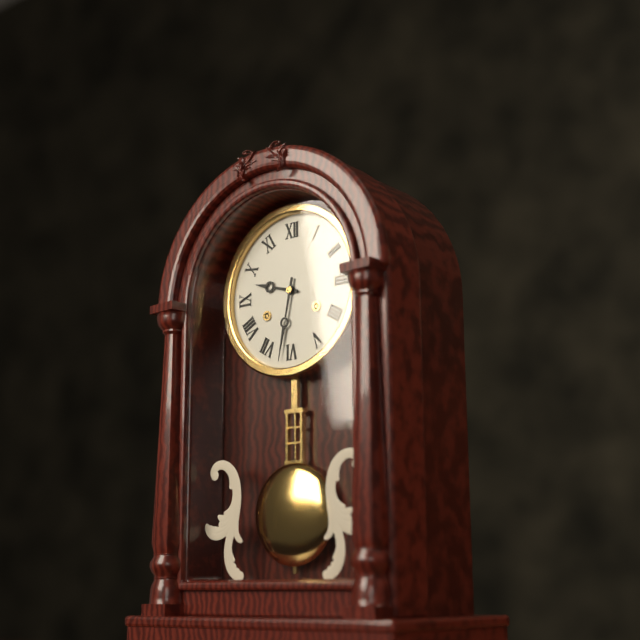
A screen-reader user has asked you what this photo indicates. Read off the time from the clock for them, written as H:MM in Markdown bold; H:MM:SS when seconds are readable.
**9:32**
